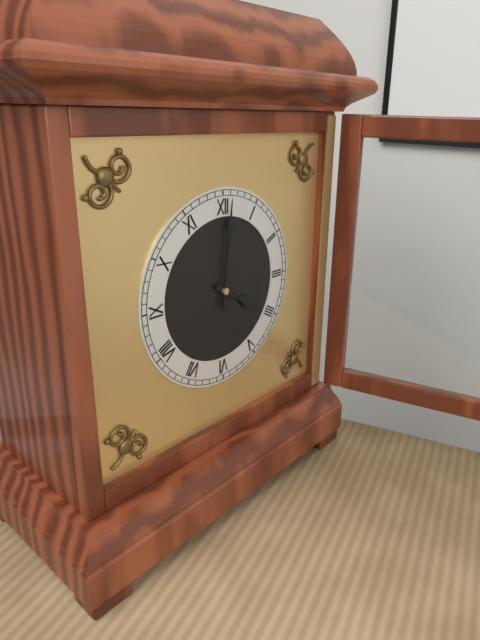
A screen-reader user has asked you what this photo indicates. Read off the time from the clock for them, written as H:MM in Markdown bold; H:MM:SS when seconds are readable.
**4:01**
